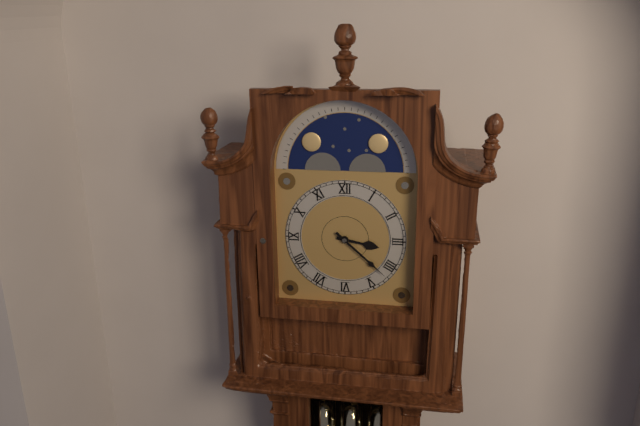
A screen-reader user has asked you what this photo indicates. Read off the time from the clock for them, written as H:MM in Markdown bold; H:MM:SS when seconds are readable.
**3:22**
